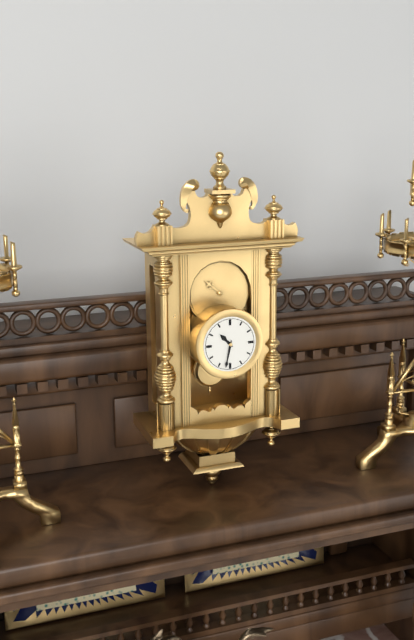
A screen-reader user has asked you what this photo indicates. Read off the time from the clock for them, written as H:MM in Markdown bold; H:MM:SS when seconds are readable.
**10:32**
